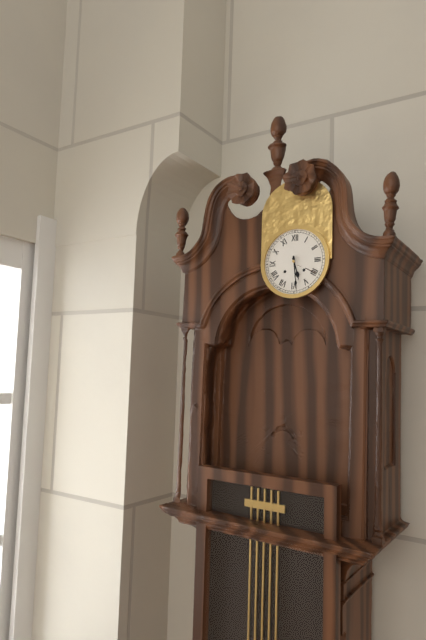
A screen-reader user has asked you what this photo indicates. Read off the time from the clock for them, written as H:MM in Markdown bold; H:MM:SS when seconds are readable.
**5:29**
